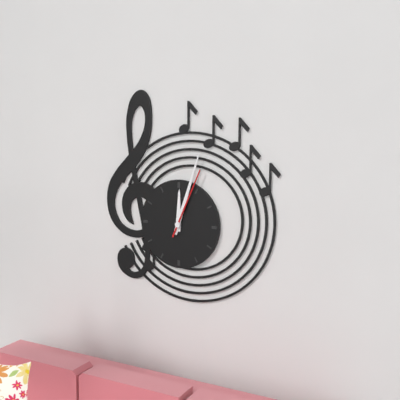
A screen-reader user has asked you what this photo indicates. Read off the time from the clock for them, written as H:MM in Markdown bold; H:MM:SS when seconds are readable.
**12:03:04**
